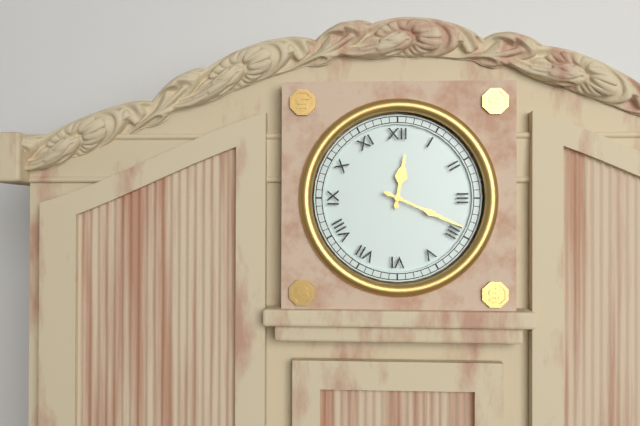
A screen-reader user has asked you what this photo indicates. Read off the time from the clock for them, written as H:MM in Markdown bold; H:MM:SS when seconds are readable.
**12:19**
